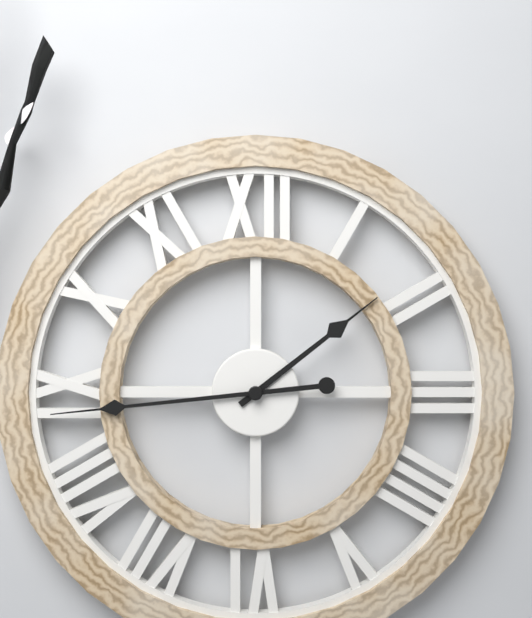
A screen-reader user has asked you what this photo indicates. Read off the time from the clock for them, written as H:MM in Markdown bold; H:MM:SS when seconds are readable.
**1:44**
